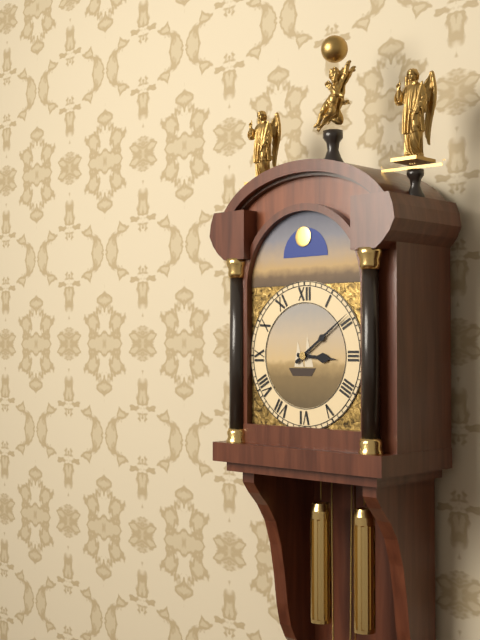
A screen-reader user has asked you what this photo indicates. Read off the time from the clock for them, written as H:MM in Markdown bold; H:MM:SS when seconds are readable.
**3:09**
